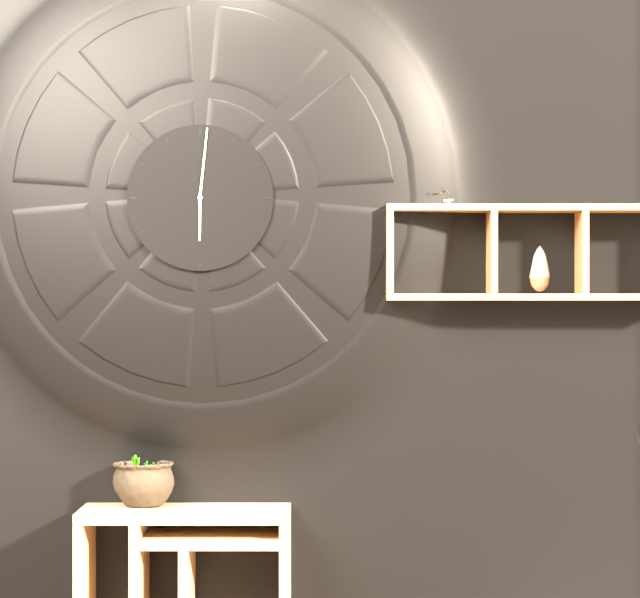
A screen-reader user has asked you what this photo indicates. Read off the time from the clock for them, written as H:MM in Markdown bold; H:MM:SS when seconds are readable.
**6:01**
